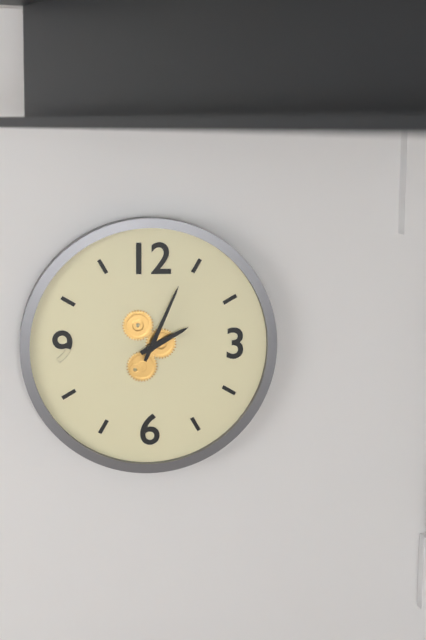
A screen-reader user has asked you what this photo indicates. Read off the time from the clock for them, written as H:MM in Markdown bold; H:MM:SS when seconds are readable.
**2:04**
